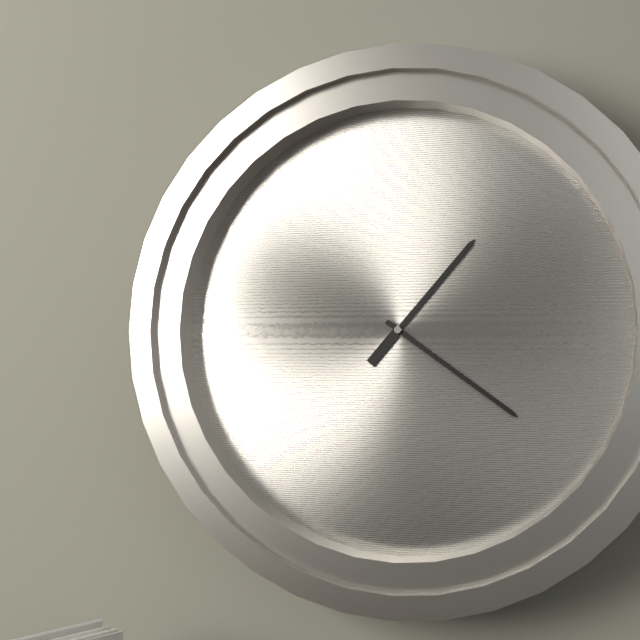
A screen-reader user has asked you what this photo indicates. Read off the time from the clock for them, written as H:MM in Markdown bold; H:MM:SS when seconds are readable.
**1:21**
